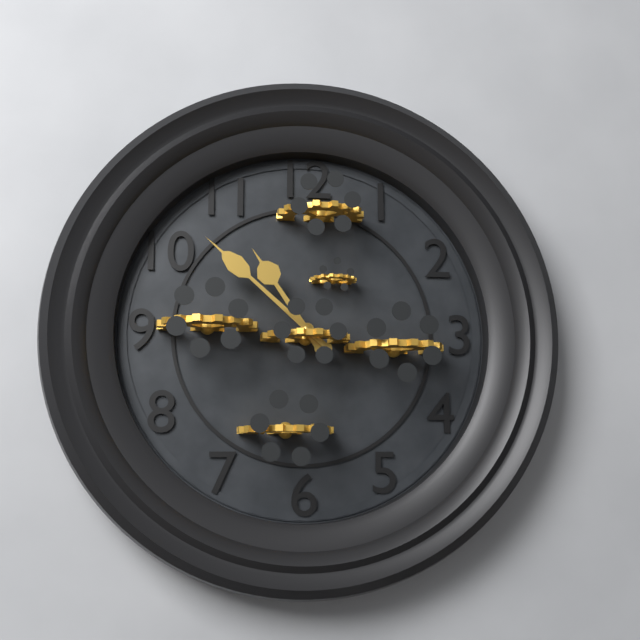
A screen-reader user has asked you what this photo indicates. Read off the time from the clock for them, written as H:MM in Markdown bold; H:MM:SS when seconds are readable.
**10:52**
